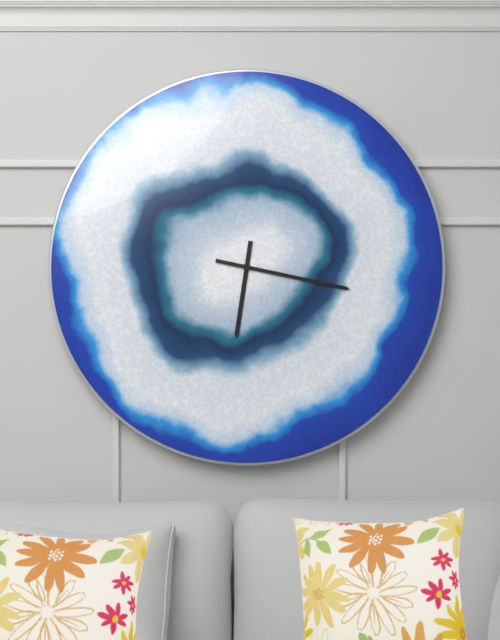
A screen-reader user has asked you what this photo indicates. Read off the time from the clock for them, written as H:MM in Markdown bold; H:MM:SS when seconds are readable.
**6:17**
